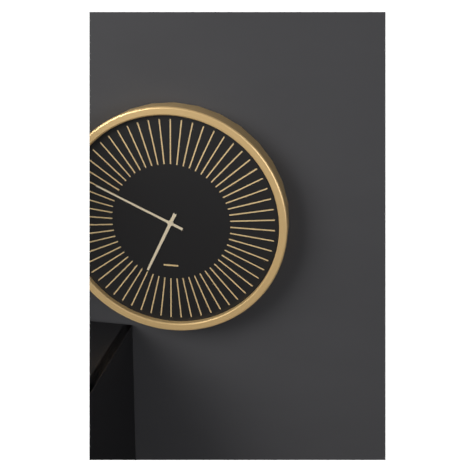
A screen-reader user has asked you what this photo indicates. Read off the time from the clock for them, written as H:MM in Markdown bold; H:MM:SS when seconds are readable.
**6:49**
